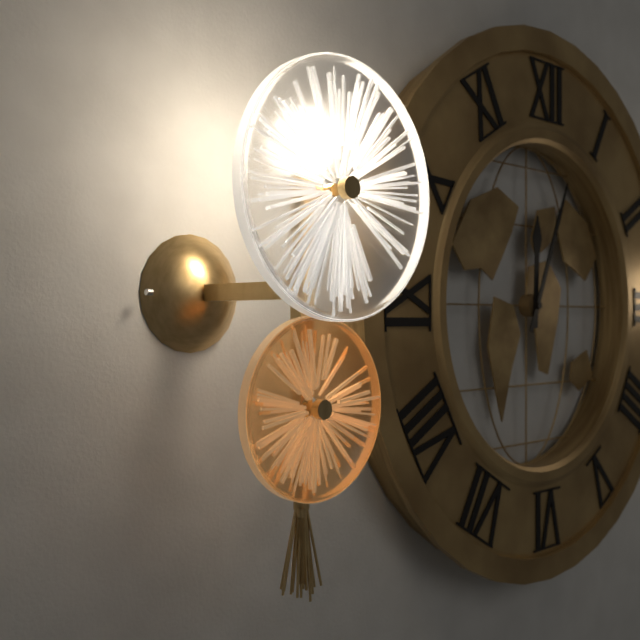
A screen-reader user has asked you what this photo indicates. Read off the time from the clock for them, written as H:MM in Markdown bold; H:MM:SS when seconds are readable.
**12:04**
